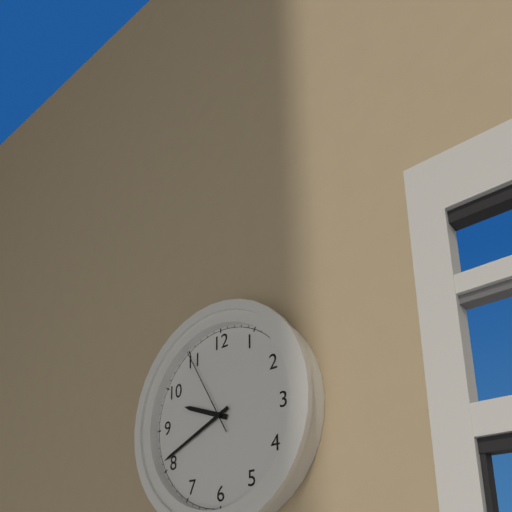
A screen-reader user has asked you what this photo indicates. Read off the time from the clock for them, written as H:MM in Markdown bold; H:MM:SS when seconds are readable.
**9:41:55**
